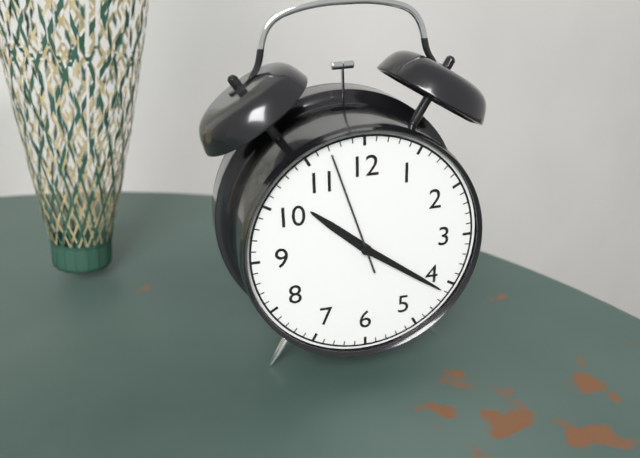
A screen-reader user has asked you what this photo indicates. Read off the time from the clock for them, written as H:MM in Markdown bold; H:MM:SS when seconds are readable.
**10:21:57**
